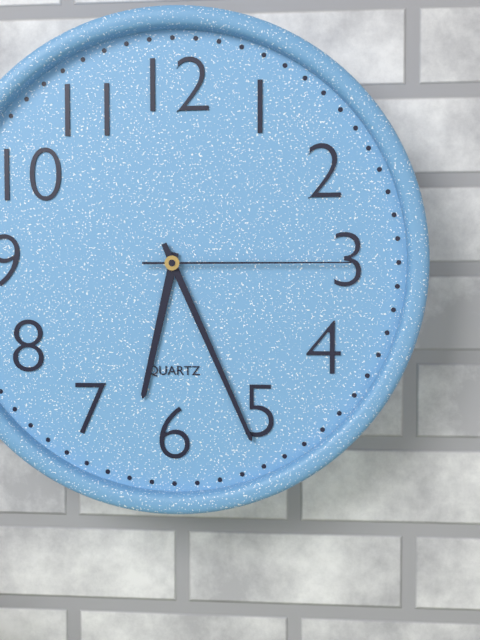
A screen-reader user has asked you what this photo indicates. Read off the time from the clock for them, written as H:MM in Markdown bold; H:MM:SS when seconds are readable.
**6:26:15**
